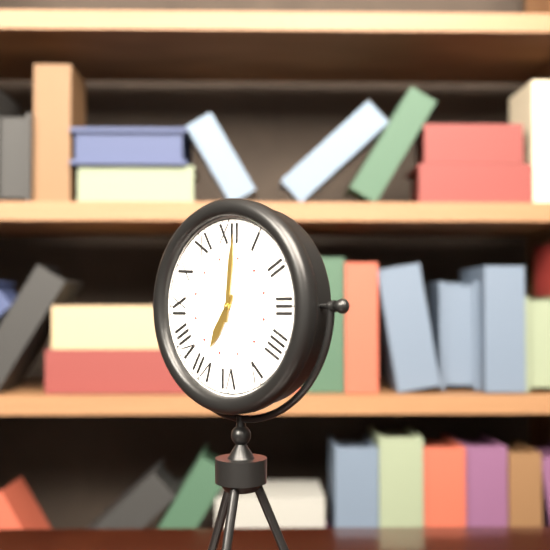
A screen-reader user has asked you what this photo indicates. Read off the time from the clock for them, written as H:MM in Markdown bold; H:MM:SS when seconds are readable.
**7:01**
